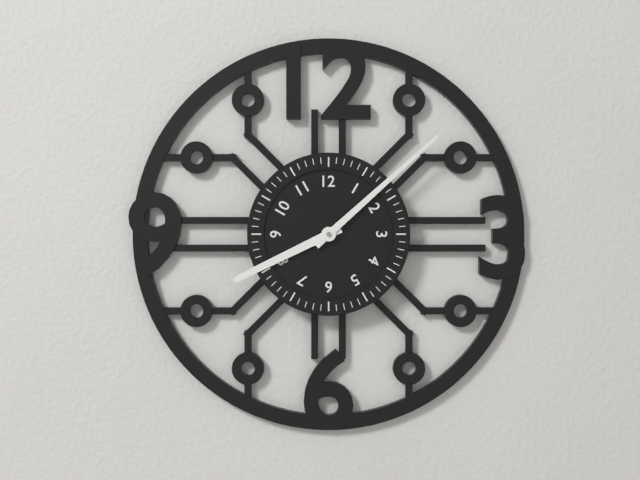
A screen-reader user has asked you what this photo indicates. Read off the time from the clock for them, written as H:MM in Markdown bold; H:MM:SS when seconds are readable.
**8:08**
